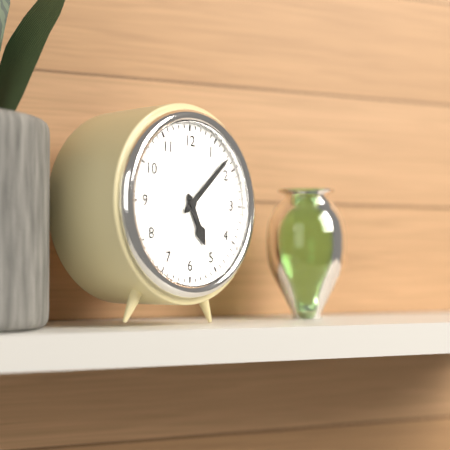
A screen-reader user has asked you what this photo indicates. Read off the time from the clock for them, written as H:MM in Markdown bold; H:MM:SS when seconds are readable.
**5:08**
